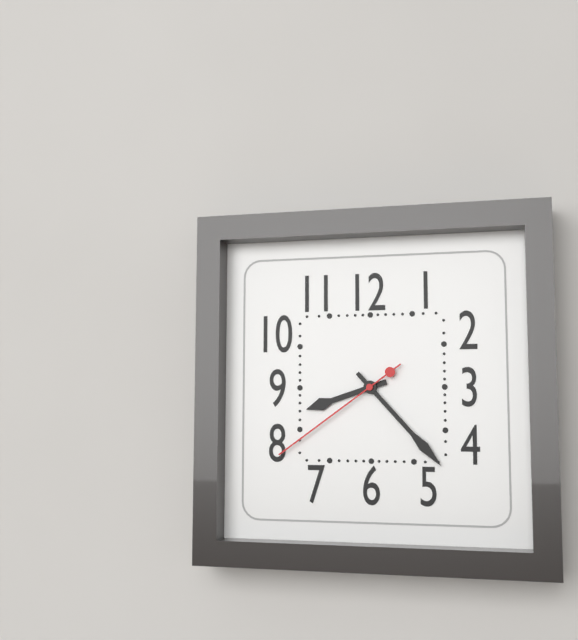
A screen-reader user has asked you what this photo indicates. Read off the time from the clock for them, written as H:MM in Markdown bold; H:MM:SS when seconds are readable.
**8:23:39**
